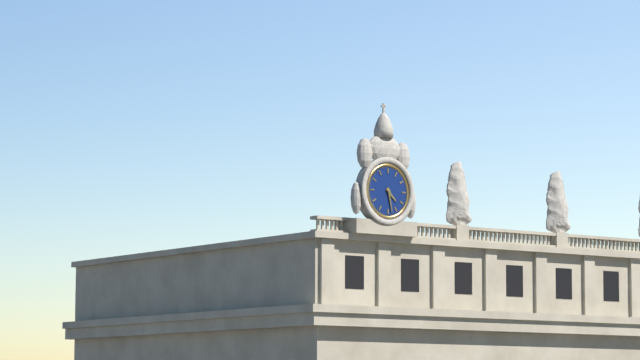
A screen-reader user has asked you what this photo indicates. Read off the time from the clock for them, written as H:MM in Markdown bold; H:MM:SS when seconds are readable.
**4:28**
